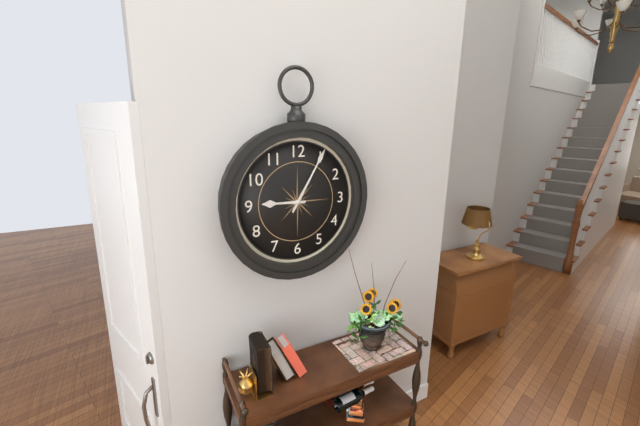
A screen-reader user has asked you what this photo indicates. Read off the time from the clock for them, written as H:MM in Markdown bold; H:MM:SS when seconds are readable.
**9:05**
